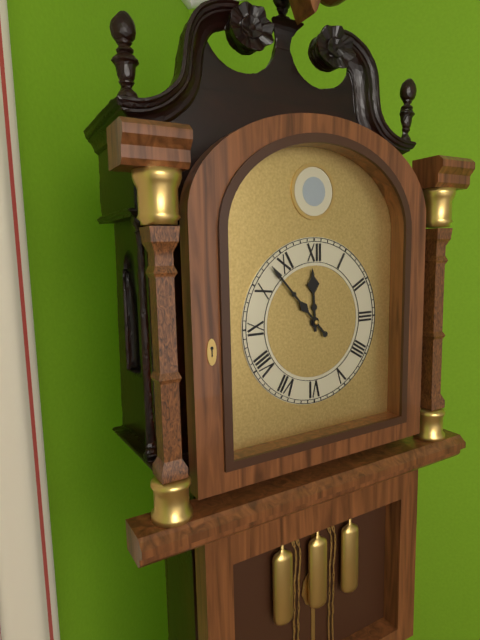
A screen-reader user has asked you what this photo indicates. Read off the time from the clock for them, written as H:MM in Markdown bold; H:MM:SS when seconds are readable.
**11:53**
